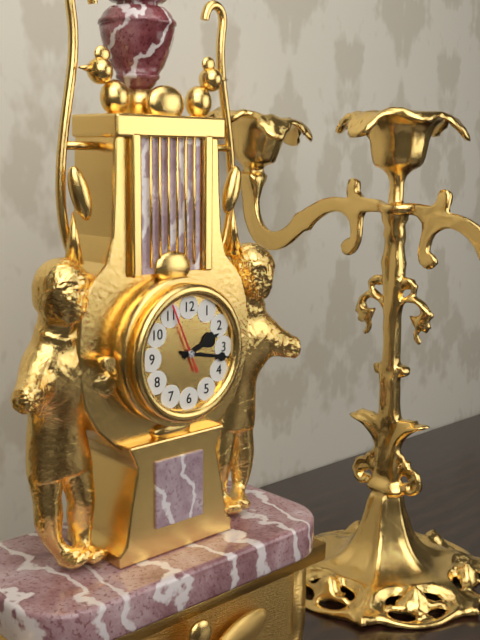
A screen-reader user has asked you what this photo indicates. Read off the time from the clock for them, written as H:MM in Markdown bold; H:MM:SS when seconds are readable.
**2:17:56**
